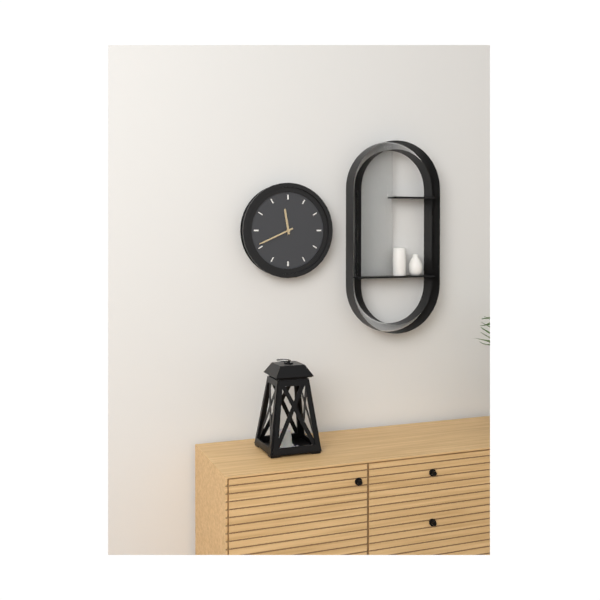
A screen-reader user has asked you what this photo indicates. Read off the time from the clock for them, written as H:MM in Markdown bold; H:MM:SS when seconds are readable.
**11:41**
